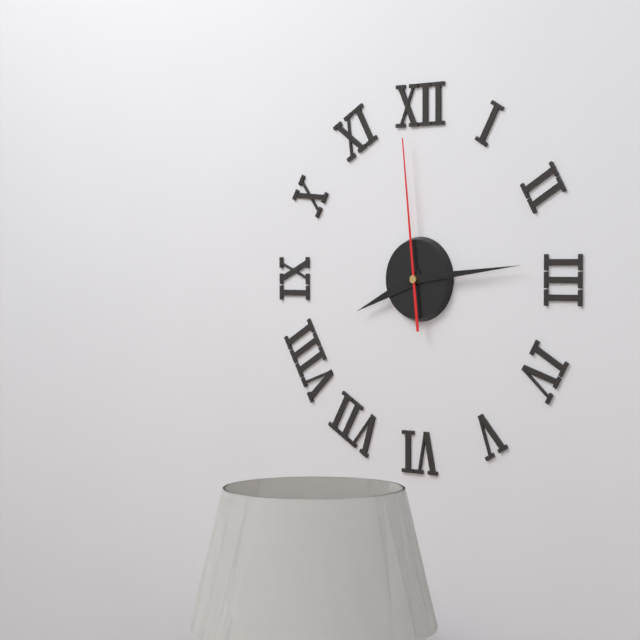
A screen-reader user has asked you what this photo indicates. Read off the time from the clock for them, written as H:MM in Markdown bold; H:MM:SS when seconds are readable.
**8:14:59**
